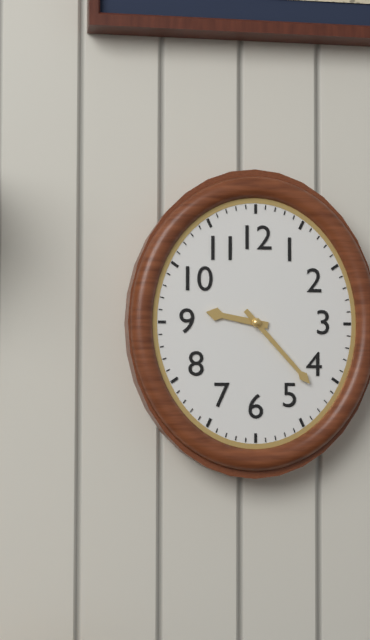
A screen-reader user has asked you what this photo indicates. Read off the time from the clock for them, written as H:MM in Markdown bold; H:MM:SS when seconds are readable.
**9:23**
